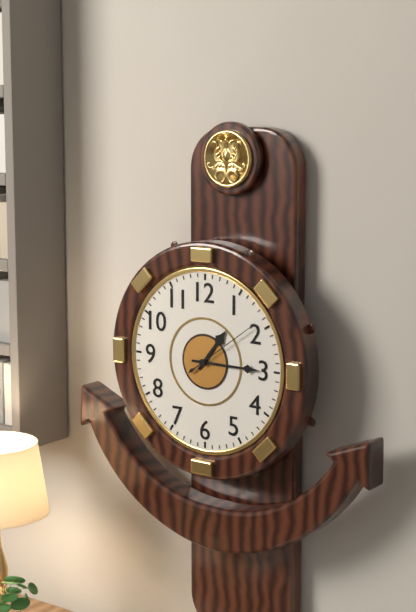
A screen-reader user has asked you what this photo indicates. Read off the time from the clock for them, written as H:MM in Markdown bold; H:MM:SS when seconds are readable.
**1:15:09**
